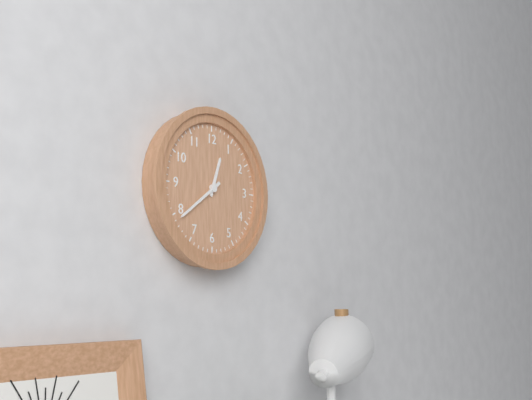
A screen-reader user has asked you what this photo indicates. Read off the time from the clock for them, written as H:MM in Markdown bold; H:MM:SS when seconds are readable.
**12:39**
